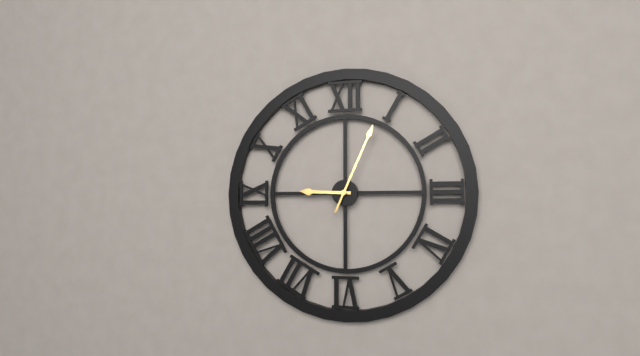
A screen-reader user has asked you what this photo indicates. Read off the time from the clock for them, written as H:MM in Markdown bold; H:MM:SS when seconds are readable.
**9:04**
